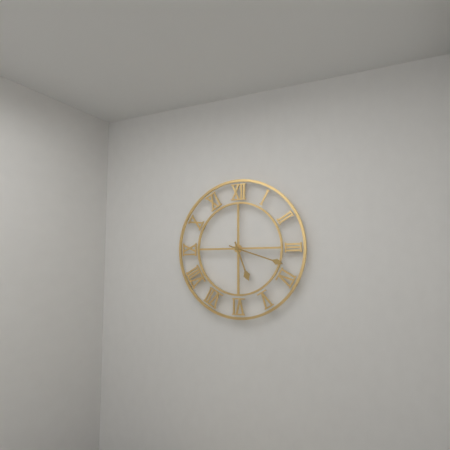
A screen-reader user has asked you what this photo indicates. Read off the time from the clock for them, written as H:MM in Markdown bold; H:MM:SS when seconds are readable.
**5:18**
